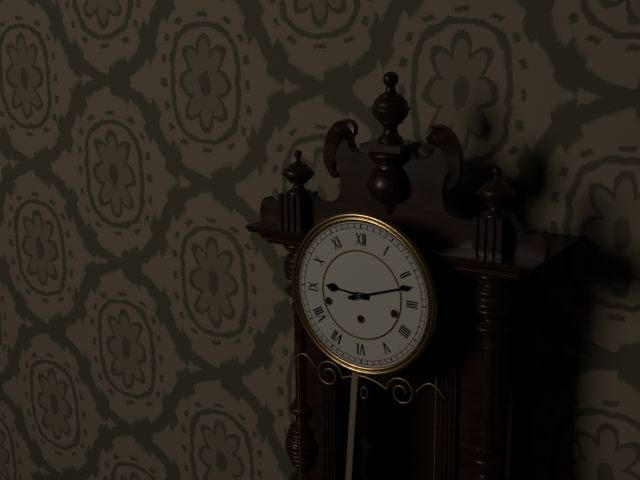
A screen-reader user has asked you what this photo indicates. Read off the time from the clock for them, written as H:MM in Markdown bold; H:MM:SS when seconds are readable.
**9:12**
